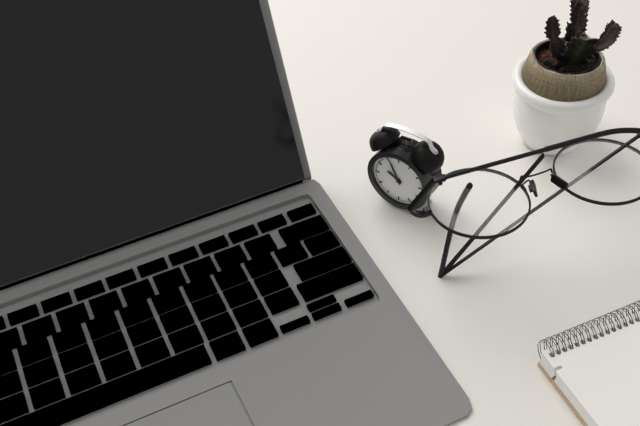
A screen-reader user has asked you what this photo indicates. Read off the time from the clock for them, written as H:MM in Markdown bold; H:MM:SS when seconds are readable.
**9:56**
